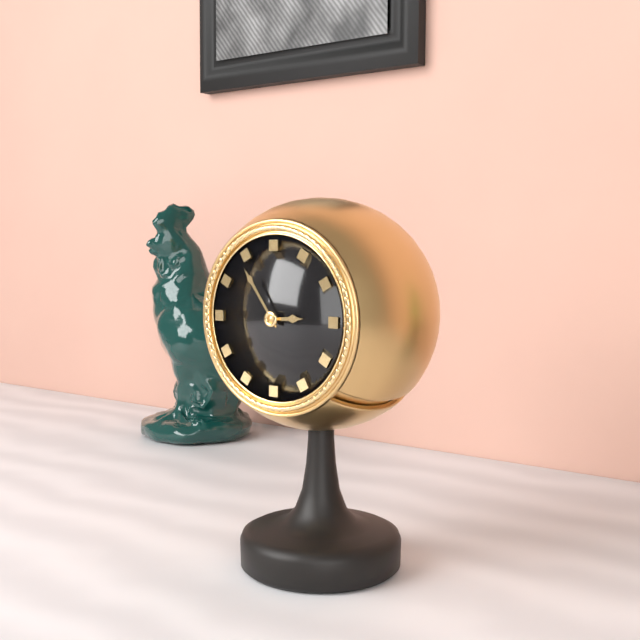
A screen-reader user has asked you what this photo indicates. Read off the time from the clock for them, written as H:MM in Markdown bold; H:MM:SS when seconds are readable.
**2:54**
